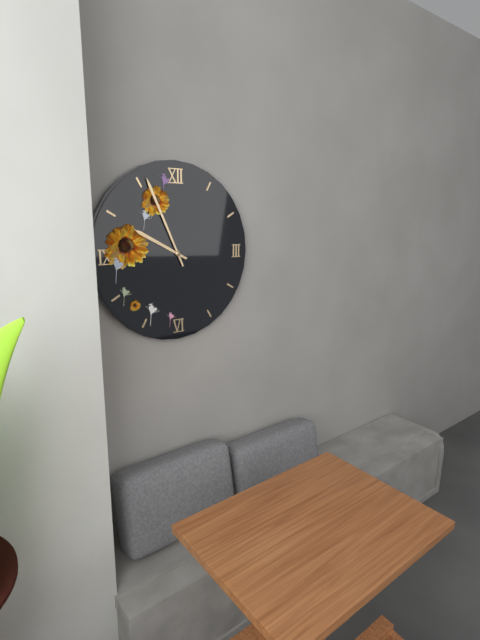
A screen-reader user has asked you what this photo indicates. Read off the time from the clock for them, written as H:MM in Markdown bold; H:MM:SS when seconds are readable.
**9:56**
